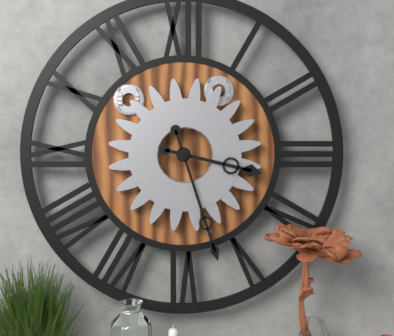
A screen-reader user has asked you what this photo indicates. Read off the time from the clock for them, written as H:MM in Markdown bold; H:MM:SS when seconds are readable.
**3:27**
